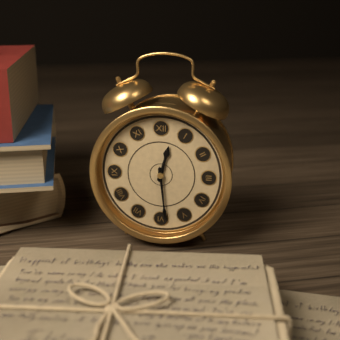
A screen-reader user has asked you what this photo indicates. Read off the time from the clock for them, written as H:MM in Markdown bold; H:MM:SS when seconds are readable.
**12:29**
